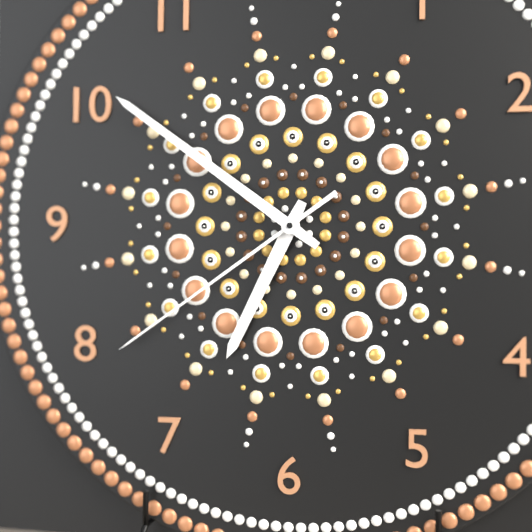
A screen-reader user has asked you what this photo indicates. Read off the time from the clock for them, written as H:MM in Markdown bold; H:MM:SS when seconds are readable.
**6:51:39**
